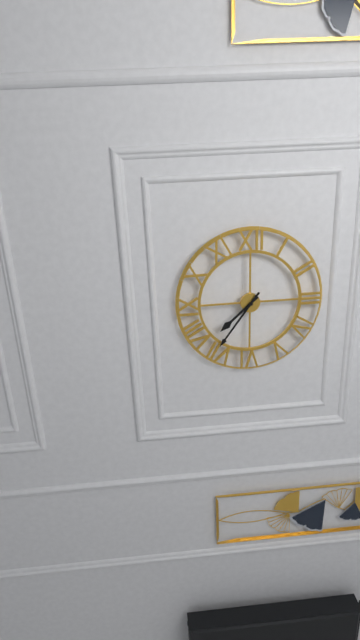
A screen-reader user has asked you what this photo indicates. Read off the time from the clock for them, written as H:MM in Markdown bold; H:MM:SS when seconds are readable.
**7:36**
